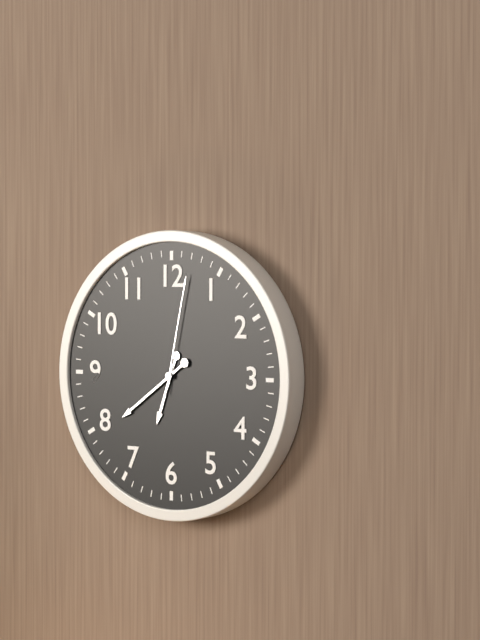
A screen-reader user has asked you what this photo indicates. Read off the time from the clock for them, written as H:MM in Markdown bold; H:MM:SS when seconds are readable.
**6:39:02**
